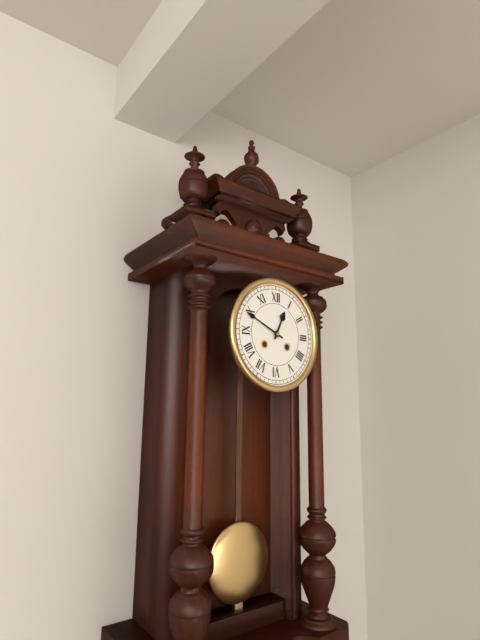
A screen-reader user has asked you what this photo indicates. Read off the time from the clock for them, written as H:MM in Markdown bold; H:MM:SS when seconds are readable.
**12:49**
